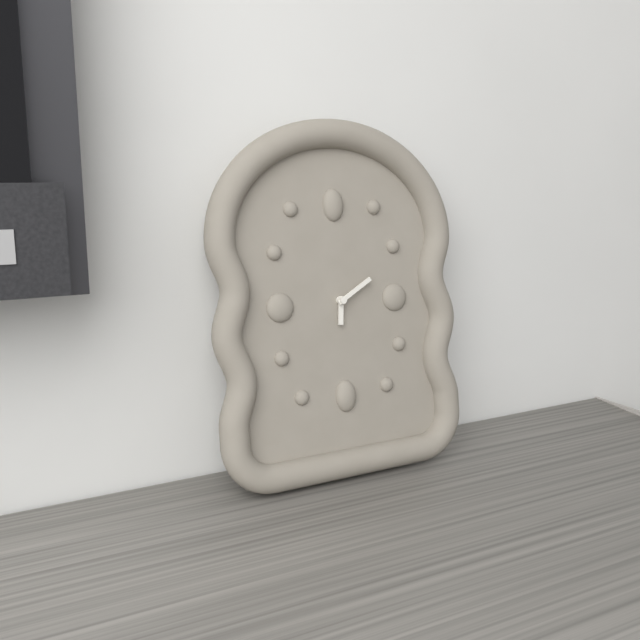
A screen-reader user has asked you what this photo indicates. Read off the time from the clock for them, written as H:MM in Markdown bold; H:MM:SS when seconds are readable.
**6:10**
